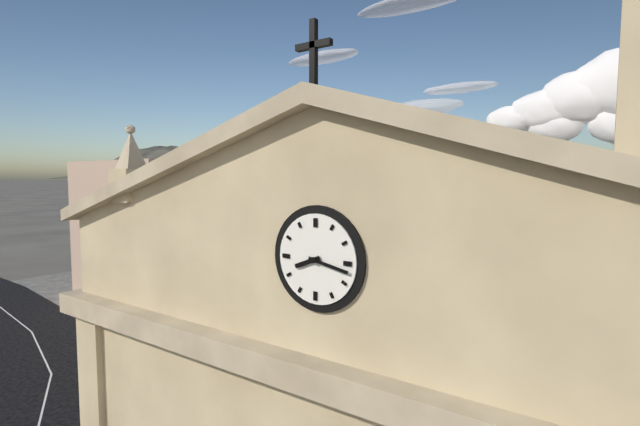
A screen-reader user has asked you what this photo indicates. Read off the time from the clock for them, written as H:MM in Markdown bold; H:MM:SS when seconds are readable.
**8:17**
